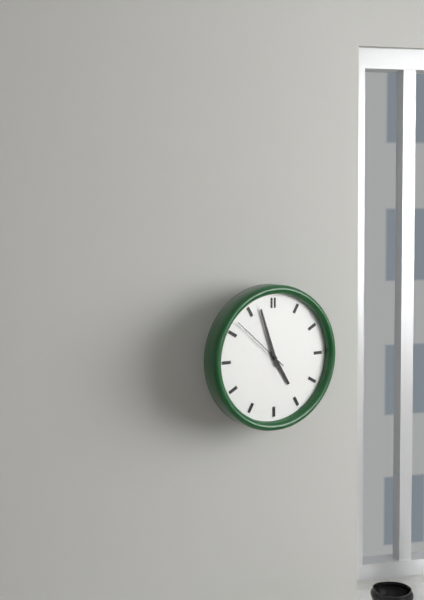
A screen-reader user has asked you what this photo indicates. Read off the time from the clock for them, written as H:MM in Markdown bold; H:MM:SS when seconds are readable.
**4:57:52**
